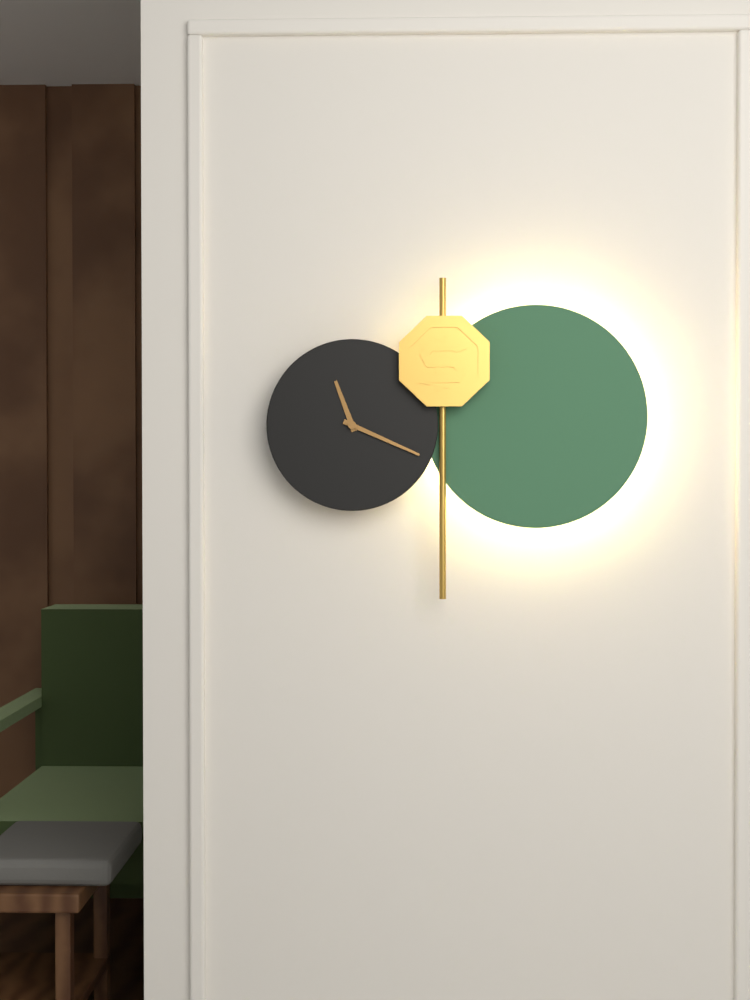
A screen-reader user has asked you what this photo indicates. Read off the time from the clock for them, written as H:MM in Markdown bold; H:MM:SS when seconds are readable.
**11:19**
